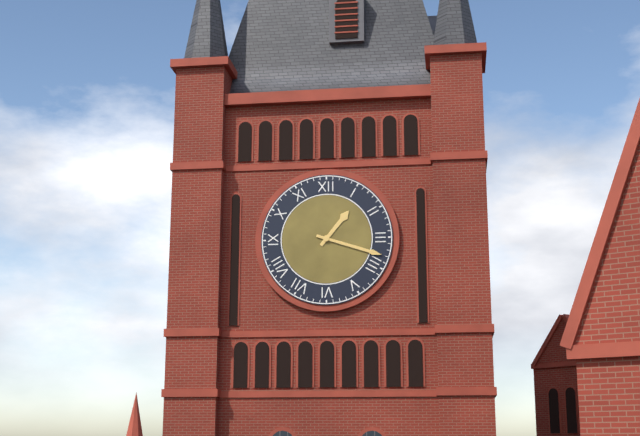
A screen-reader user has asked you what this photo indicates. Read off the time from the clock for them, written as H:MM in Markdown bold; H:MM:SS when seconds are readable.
**1:18**
